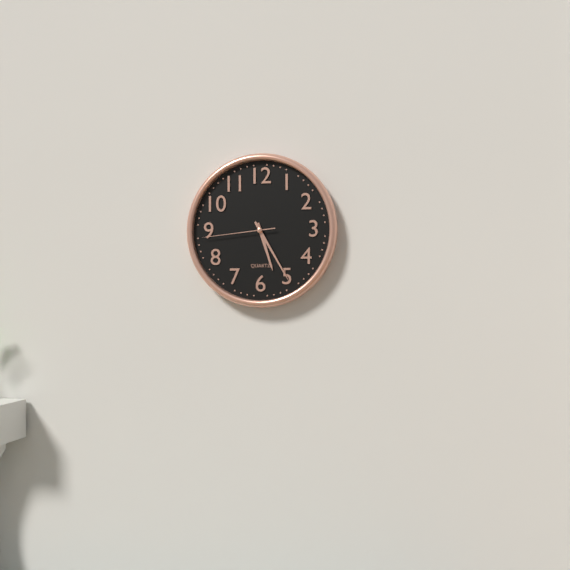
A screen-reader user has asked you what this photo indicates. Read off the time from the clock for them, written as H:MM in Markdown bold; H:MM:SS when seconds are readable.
**5:25:44**
